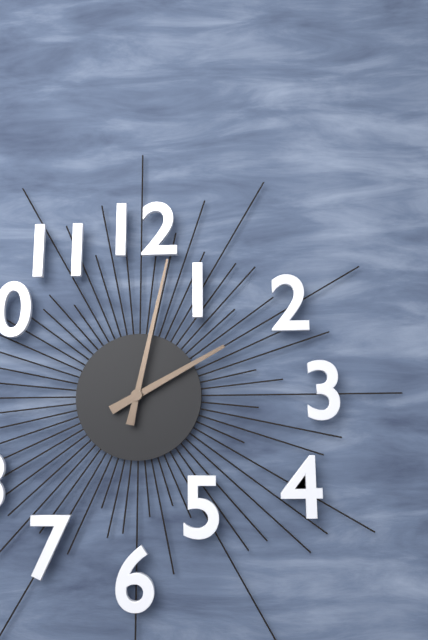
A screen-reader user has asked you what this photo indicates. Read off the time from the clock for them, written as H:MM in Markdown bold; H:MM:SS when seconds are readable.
**2:02**
